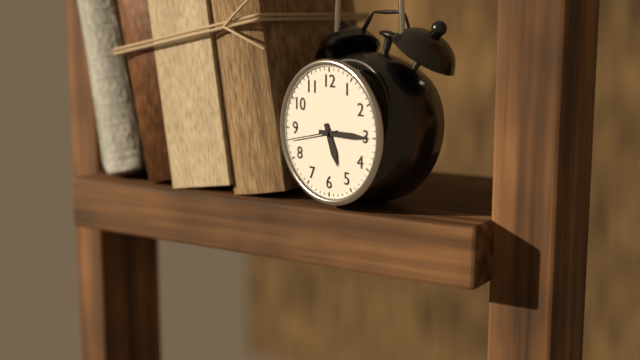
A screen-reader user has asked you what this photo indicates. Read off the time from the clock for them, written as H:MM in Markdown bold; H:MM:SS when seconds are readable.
**5:15**
